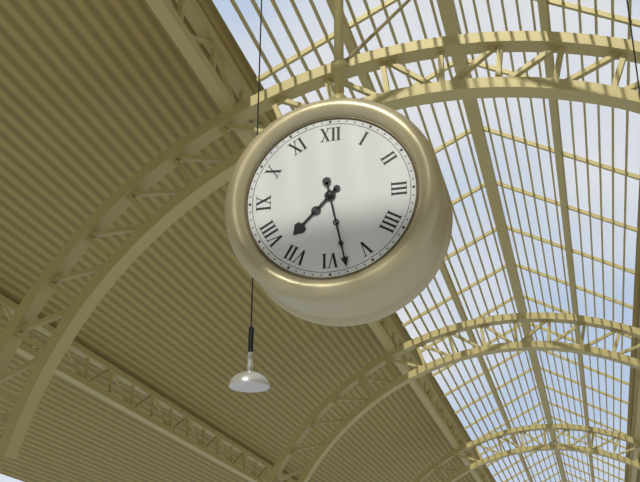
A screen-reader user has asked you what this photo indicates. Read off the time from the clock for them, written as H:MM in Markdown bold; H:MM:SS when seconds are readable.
**7:28**
